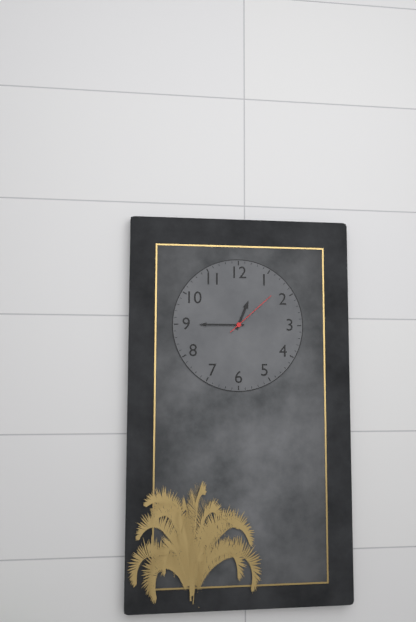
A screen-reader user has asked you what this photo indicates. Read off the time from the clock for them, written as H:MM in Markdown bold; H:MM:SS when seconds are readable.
**12:45:08**
